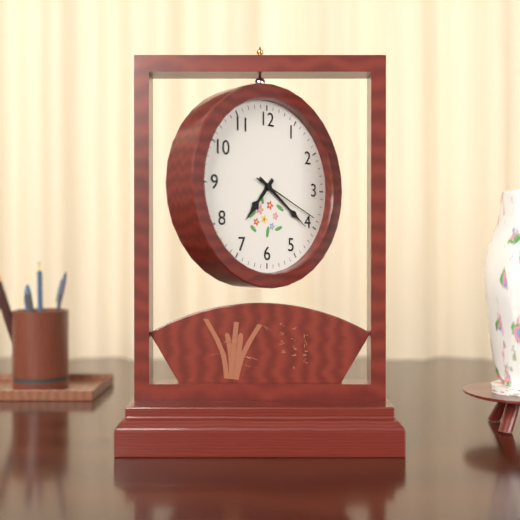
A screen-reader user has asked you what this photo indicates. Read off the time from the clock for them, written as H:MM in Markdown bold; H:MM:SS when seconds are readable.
**7:21:19**
